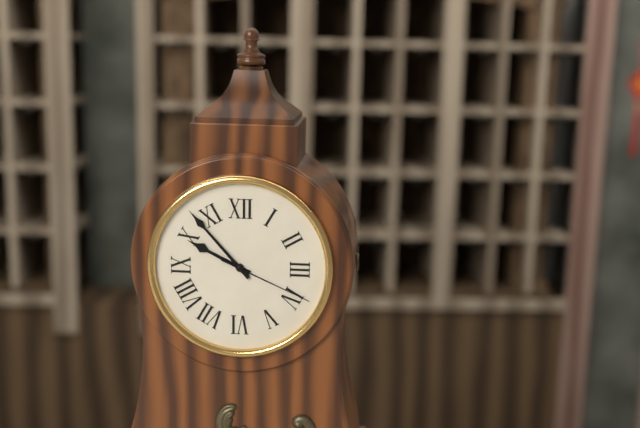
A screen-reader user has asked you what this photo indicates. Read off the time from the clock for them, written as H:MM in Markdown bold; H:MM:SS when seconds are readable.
**9:53:19**
